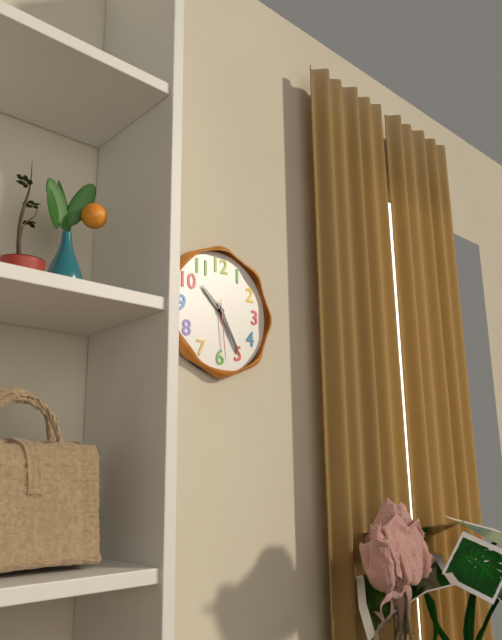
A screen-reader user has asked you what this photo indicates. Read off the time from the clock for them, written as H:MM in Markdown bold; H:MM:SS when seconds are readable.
**10:25:29**
